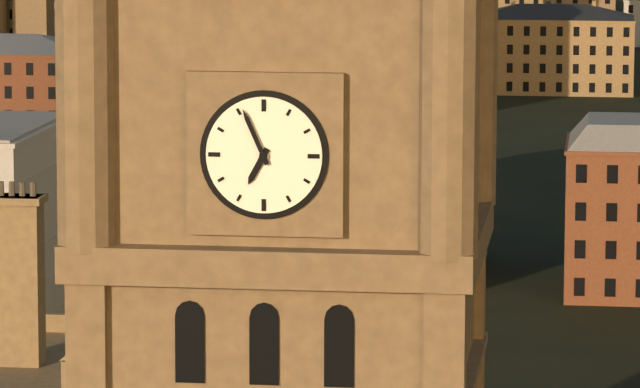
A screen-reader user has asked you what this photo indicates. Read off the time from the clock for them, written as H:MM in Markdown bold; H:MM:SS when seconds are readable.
**6:56**
